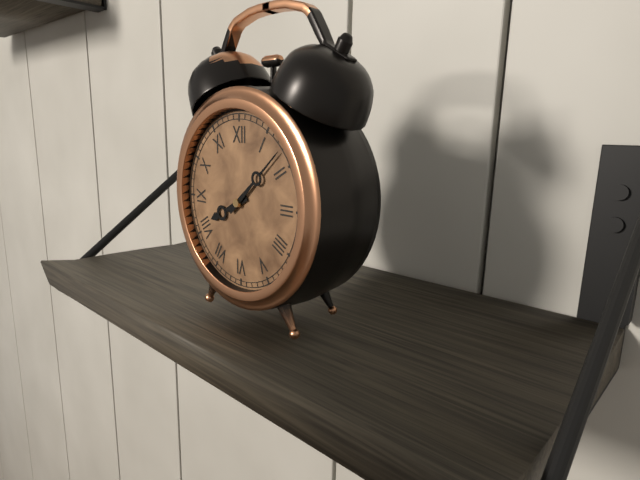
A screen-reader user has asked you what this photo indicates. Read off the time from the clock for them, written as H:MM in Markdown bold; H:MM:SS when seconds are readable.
**8:08**
